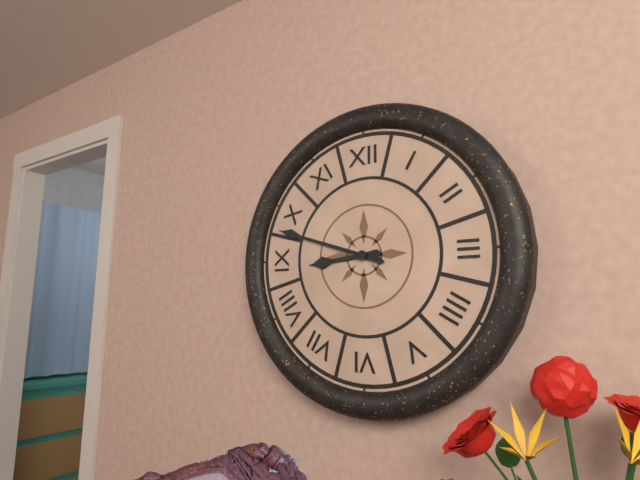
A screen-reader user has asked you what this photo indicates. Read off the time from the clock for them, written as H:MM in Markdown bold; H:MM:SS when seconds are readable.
**8:48**
